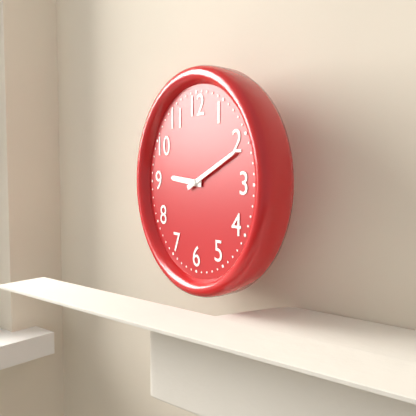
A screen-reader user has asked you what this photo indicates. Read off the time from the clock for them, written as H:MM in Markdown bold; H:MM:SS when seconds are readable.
**9:11**
